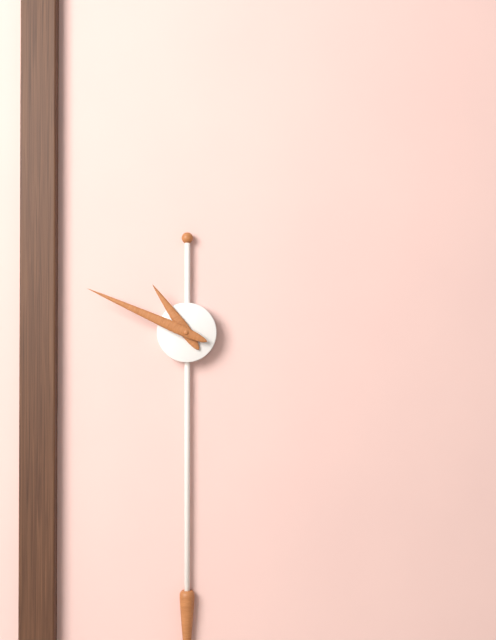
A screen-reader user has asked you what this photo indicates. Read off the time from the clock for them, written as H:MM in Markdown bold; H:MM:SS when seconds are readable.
**10:49**
